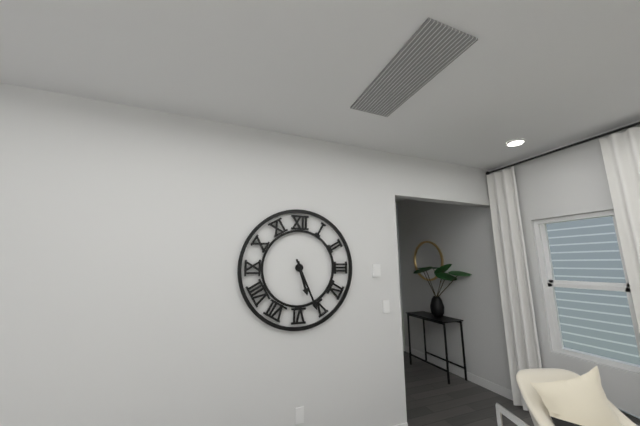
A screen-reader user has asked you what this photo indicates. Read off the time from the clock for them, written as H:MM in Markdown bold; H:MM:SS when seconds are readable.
**5:26**
